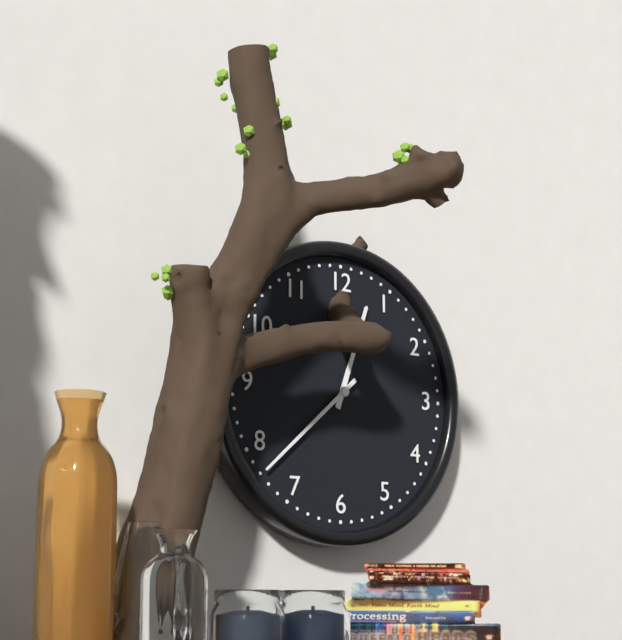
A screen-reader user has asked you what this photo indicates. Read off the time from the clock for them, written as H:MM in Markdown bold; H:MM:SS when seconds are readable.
**12:38**
